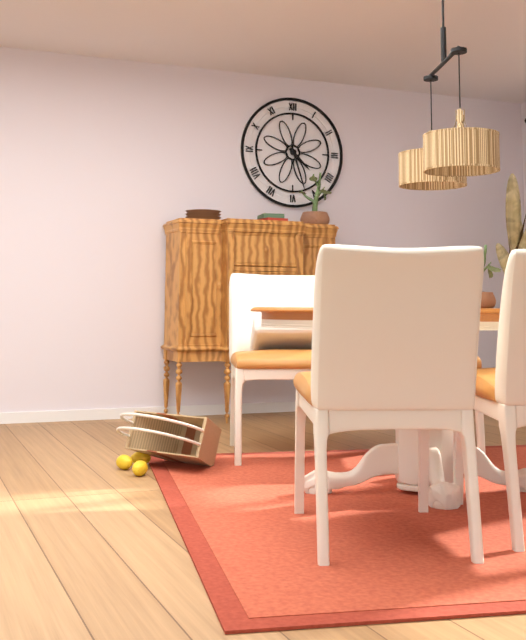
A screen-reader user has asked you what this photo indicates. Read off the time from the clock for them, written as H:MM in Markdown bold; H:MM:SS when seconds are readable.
**4:27**
